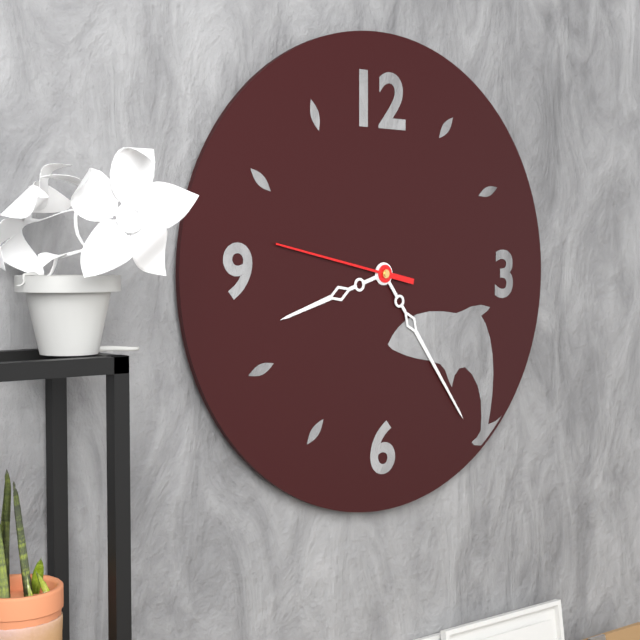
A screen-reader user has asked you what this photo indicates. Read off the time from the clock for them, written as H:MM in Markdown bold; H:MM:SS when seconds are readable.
**8:24:47**
